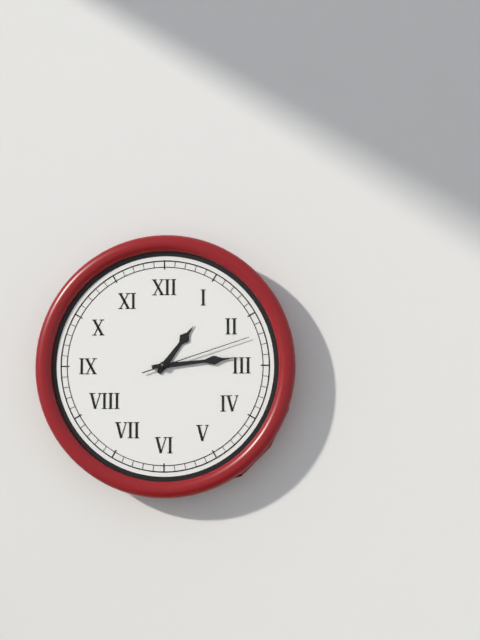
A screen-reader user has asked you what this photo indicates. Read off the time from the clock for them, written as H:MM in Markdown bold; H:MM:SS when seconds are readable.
**1:14:12**
